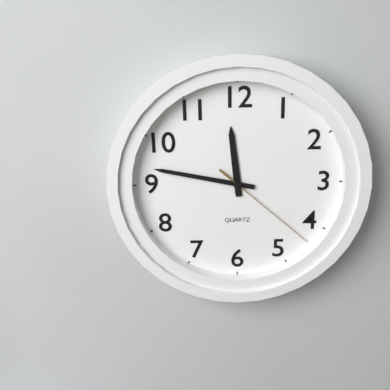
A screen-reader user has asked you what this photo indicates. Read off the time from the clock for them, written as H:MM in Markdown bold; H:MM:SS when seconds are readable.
**11:47:22**
